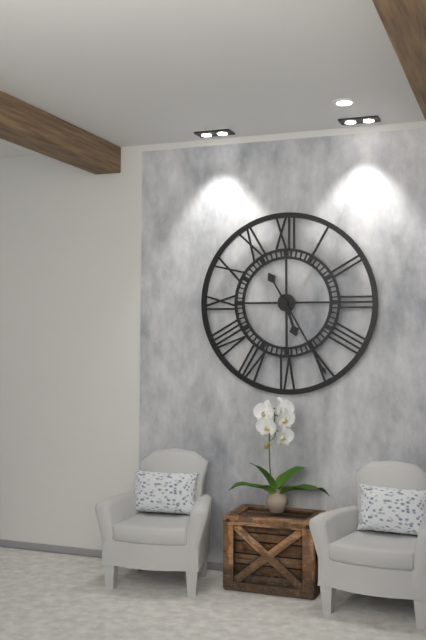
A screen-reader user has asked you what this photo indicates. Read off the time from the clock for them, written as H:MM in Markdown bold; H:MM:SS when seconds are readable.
**5:25**
